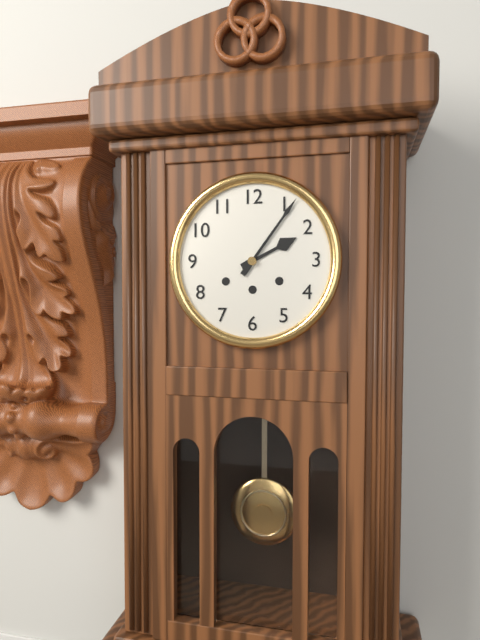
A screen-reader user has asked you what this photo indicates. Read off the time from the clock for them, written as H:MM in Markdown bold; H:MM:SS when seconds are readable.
**2:06**
